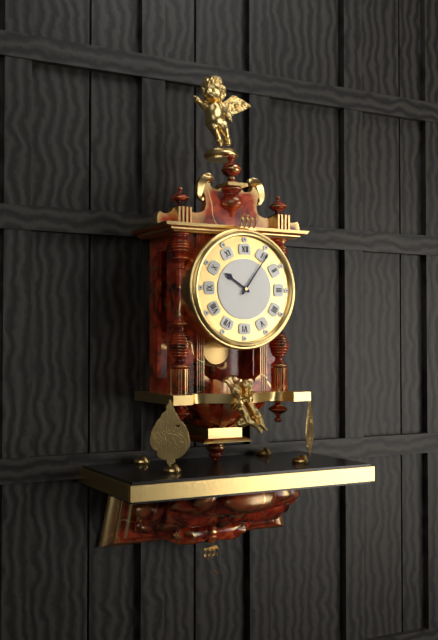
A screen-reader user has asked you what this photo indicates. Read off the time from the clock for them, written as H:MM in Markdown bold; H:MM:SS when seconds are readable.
**10:06**
